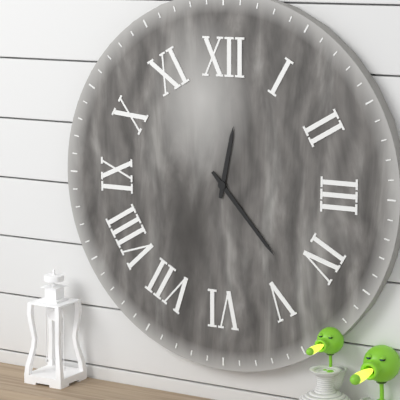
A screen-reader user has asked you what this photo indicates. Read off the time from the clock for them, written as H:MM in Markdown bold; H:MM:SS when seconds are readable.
**12:23**
